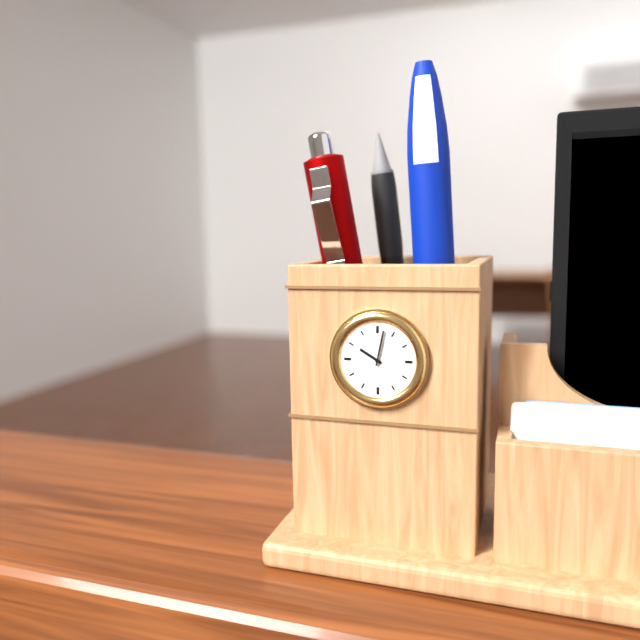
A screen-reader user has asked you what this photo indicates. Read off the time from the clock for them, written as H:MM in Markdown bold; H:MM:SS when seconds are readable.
**10:02**
